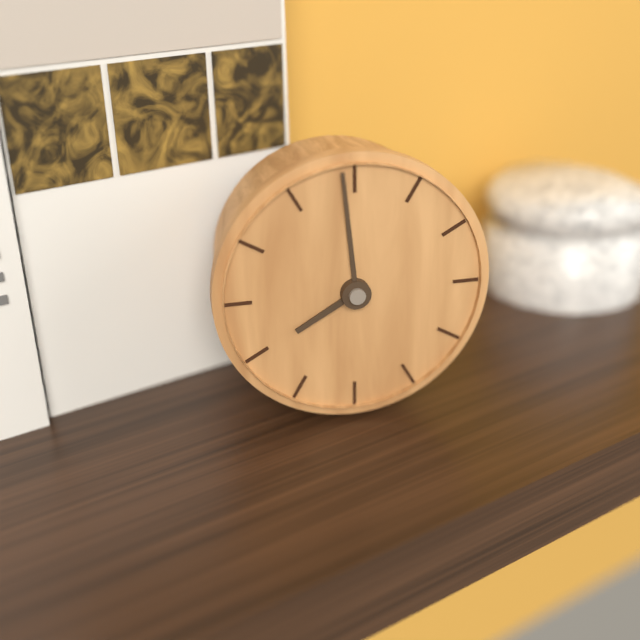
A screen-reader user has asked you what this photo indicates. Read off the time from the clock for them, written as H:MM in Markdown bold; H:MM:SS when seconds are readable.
**7:59**
